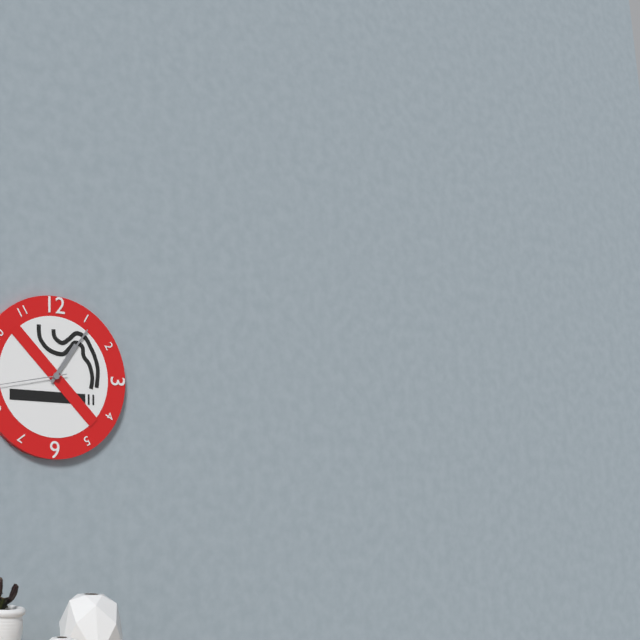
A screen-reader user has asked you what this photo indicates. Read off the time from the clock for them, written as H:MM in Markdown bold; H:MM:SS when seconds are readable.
**1:06**
